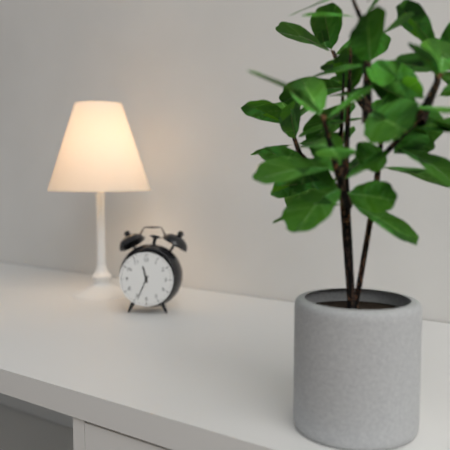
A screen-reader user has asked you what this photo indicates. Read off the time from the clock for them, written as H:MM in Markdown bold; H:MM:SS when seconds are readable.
**11:34**
